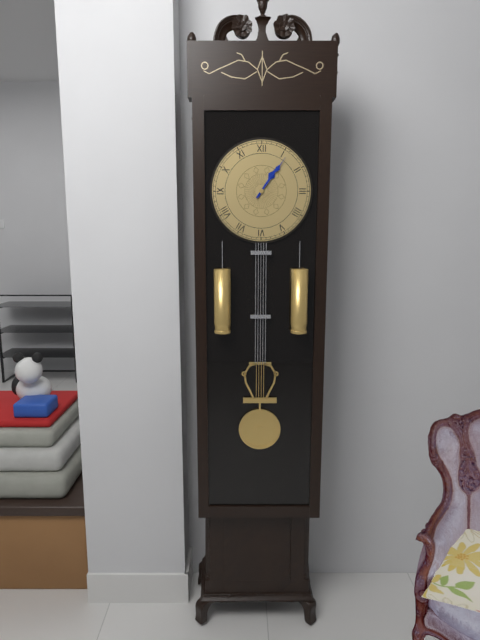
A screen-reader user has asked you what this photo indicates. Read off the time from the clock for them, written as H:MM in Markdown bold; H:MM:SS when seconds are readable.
**1:06**
